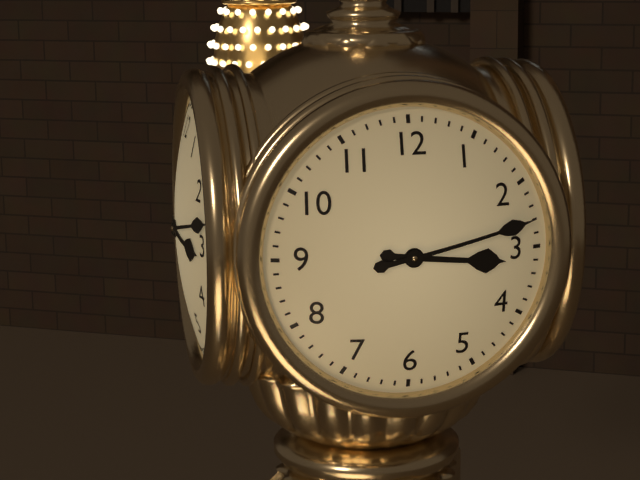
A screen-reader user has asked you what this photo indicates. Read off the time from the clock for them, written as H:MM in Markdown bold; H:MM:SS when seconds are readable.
**3:13**
